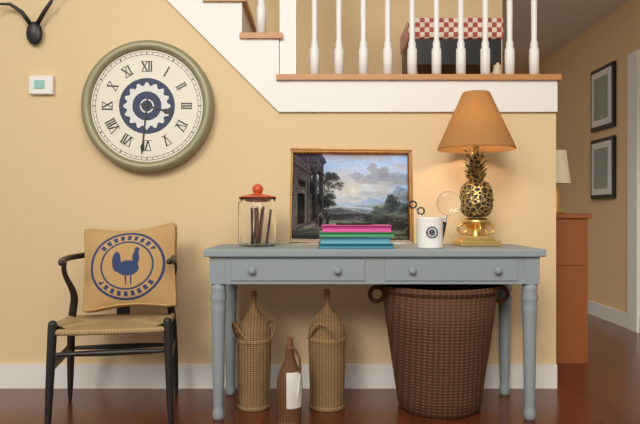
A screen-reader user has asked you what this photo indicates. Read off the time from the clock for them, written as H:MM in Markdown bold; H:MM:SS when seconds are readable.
**3:31**
